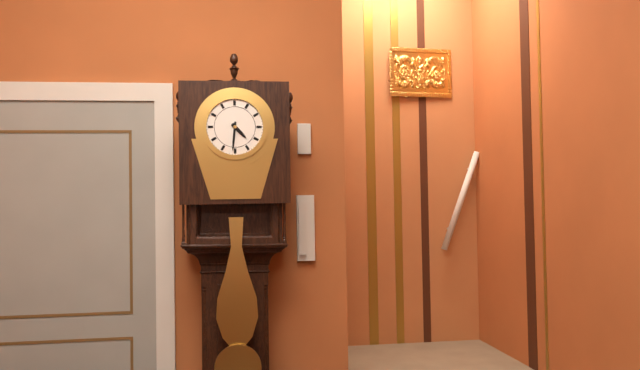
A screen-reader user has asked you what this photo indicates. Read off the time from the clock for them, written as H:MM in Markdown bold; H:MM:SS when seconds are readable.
**4:31**
